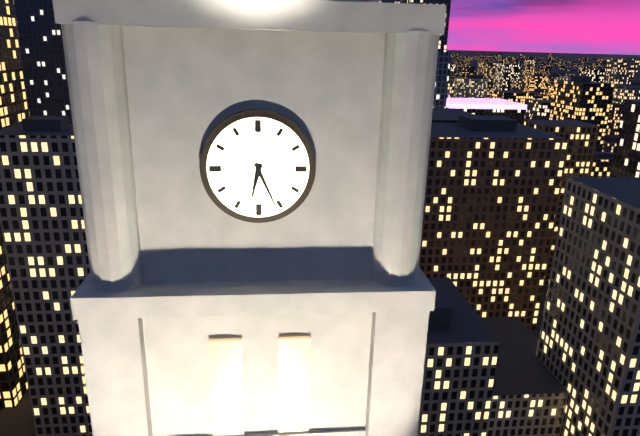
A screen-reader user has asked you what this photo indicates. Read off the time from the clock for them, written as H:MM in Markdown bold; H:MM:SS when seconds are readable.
**6:26**
